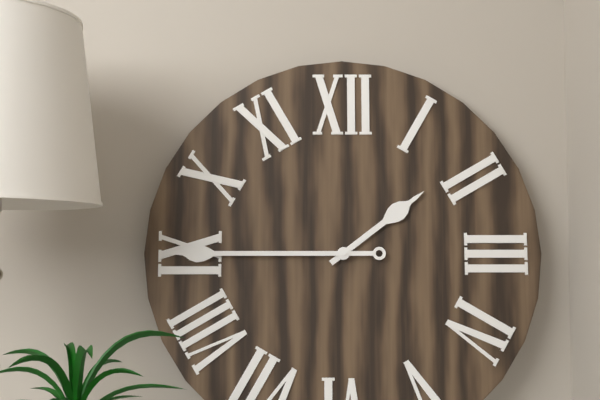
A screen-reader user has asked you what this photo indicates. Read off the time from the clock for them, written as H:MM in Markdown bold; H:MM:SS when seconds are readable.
**1:45**
